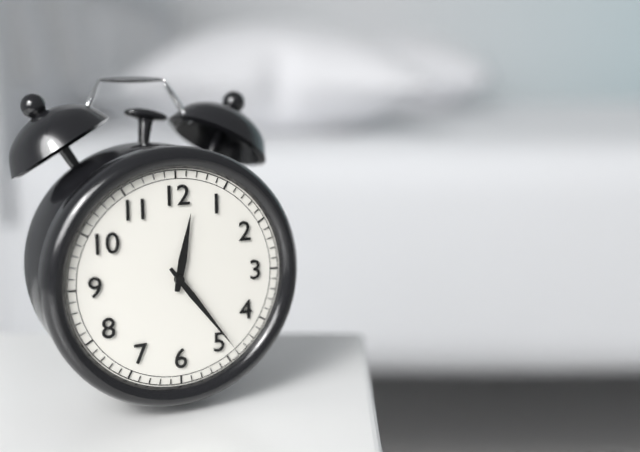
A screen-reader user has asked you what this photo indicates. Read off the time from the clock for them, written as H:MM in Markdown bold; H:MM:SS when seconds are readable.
**12:24**
